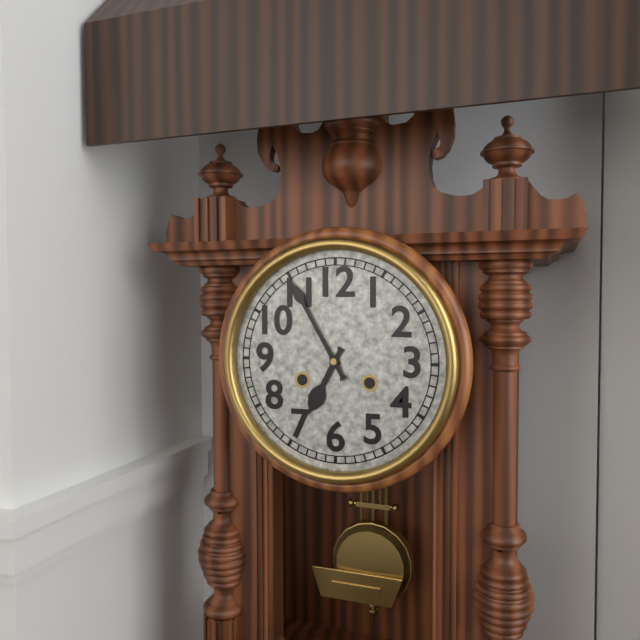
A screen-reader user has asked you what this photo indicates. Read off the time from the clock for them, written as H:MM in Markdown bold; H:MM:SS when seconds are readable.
**6:55**
